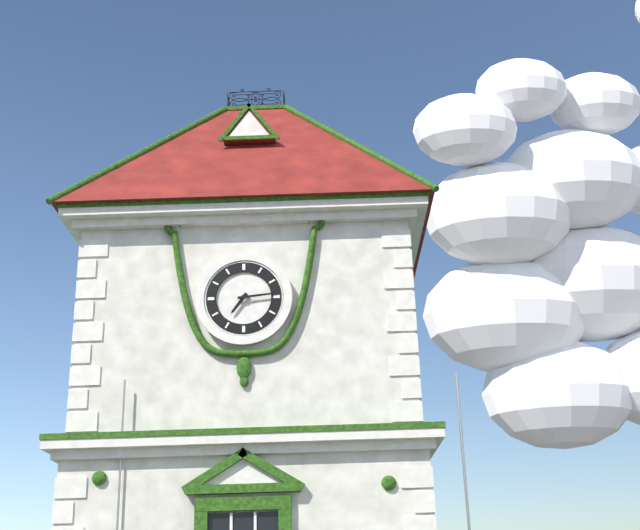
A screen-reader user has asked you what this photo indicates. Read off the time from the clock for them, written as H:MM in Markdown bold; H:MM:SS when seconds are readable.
**7:14**
